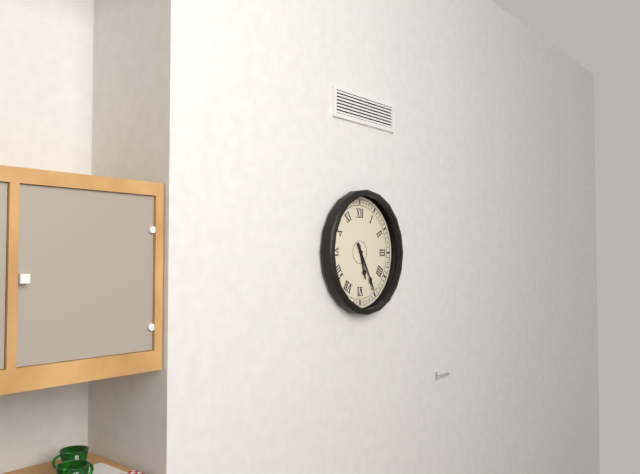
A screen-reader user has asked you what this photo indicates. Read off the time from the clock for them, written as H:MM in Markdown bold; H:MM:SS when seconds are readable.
**5:25**
